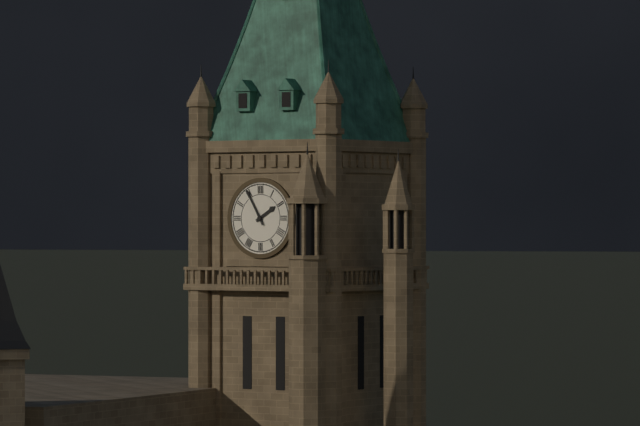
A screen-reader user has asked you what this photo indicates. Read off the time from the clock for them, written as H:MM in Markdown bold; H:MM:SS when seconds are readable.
**1:55**
